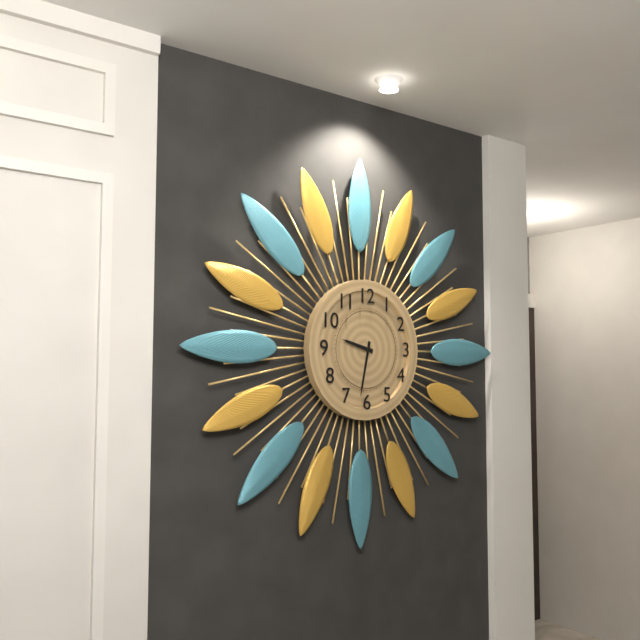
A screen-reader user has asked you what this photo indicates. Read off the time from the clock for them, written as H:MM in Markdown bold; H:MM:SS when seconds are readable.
**9:32**
